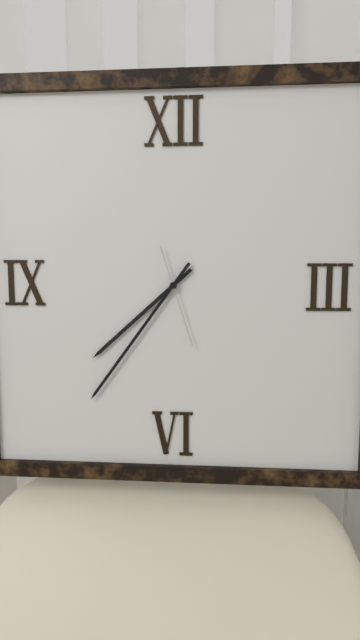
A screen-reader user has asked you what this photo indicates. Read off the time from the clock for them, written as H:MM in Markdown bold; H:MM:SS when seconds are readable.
**7:36:27**
